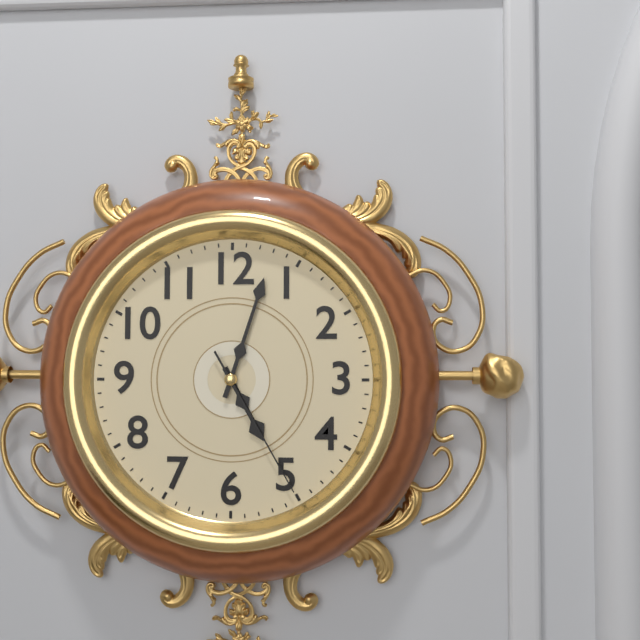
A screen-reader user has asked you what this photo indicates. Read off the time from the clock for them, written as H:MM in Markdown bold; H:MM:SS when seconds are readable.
**5:03:25**
